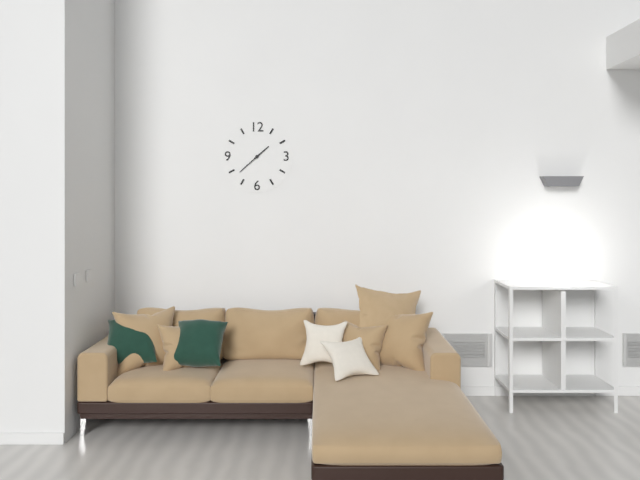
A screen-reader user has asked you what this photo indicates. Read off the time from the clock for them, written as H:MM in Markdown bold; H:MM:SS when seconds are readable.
**1:38**
